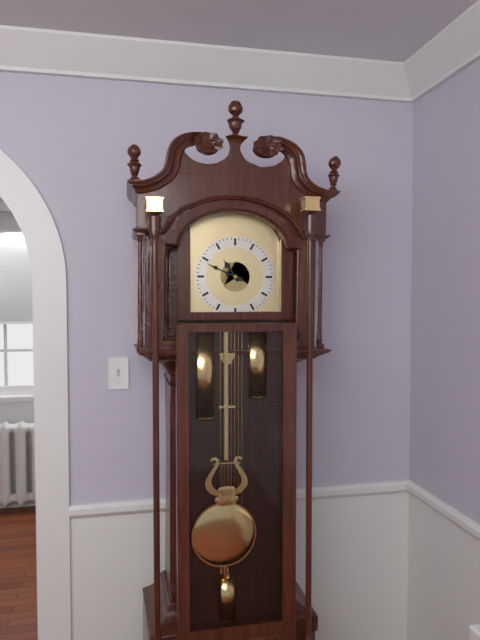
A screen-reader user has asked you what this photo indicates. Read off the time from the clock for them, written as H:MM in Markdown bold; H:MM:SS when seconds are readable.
**10:49**
